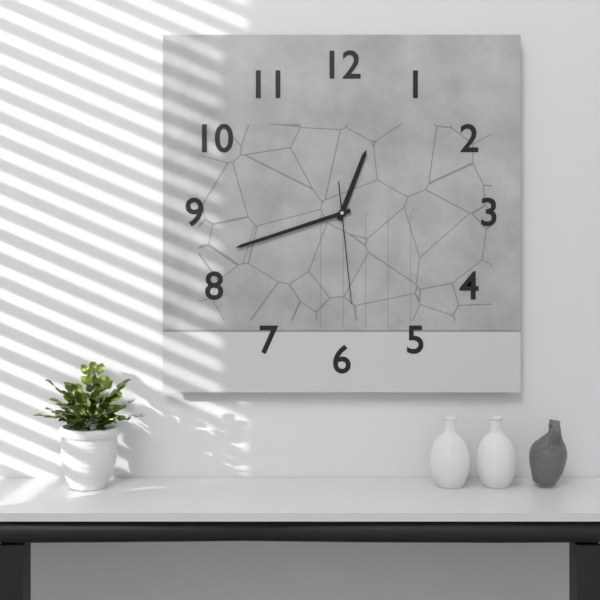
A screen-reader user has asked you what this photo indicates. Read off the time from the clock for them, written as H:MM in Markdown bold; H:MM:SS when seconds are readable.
**12:42:29**
